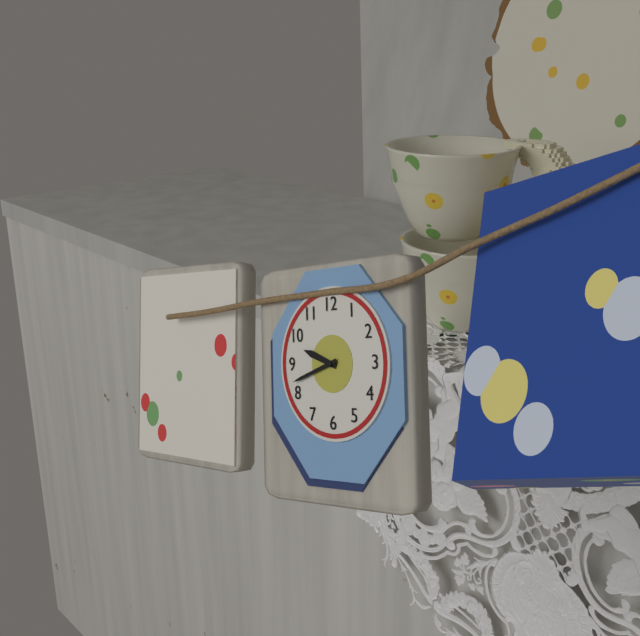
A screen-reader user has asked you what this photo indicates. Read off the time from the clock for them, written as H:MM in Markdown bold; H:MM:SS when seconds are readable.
**9:42**
